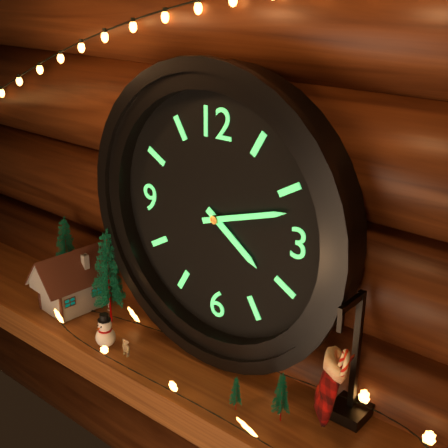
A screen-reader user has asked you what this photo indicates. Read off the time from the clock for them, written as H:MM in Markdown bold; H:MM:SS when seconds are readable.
**4:12**
